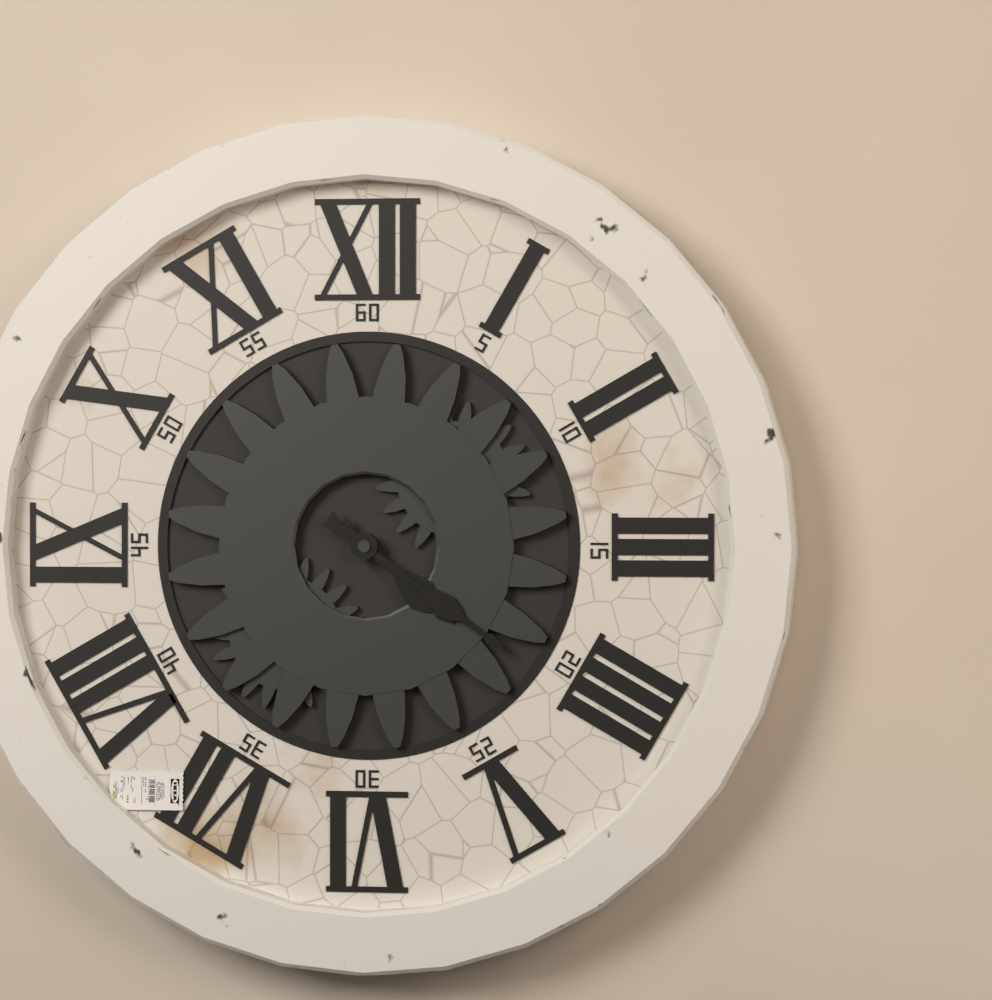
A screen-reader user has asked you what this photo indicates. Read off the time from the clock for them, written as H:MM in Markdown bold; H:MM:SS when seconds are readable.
**4:21**
